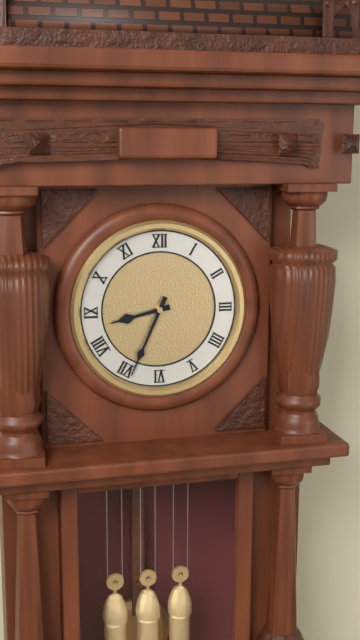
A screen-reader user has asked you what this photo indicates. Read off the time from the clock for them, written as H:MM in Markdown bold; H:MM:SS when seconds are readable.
**8:34**
